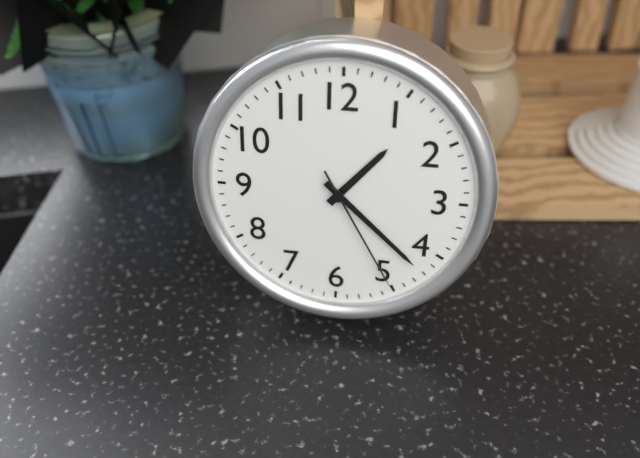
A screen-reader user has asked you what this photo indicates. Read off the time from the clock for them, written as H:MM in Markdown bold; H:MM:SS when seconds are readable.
**1:22:25**
